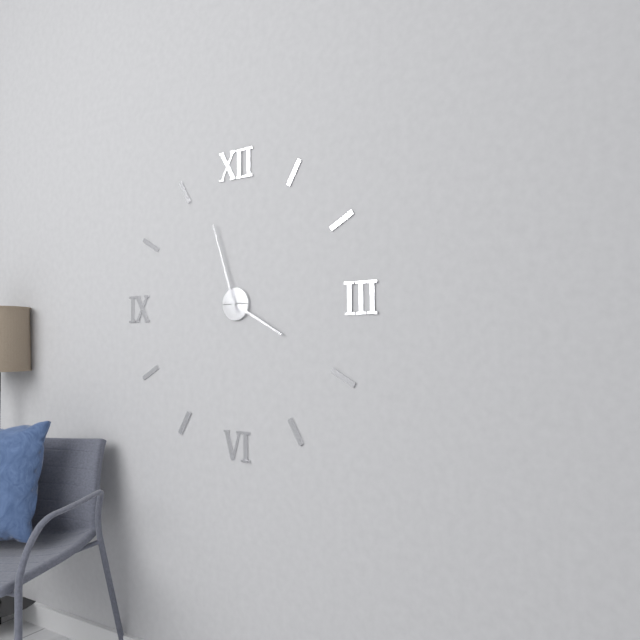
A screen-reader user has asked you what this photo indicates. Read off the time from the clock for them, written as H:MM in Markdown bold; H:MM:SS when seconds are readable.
**3:57**
